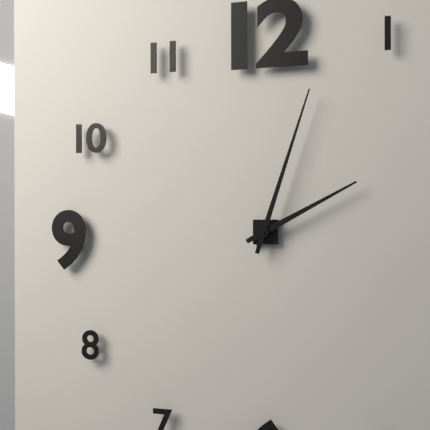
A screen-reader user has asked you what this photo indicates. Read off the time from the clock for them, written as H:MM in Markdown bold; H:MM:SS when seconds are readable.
**2:03**
